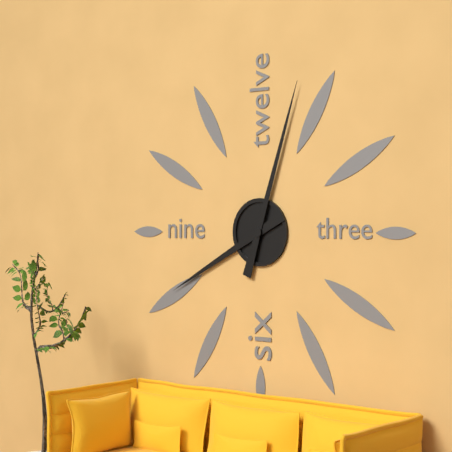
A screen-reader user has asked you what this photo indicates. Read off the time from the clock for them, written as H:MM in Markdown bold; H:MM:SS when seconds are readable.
**8:03**
